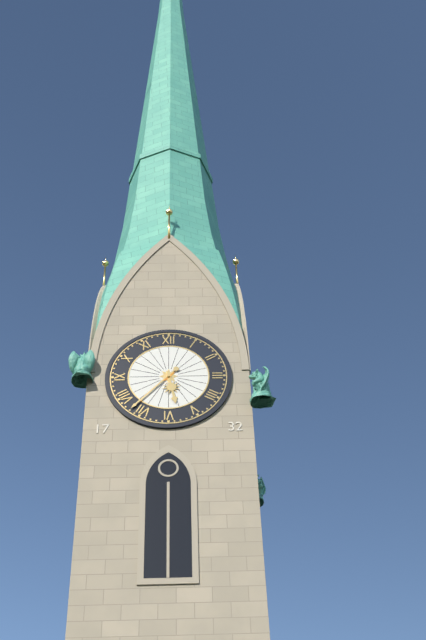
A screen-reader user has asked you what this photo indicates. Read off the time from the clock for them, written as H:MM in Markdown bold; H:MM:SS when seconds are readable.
**5:37**
